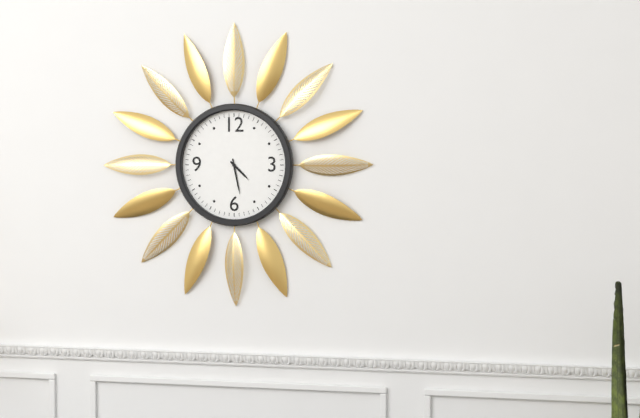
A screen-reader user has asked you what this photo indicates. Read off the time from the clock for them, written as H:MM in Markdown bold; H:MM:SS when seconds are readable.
**4:28**
